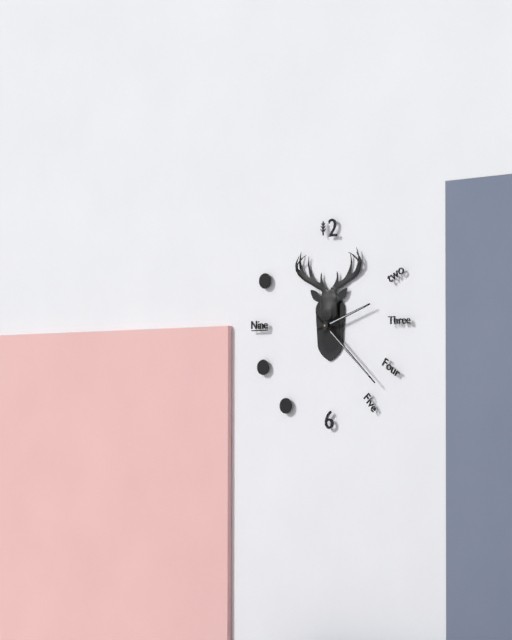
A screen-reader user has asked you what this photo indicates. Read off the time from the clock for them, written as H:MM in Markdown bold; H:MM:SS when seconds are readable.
**2:22**
